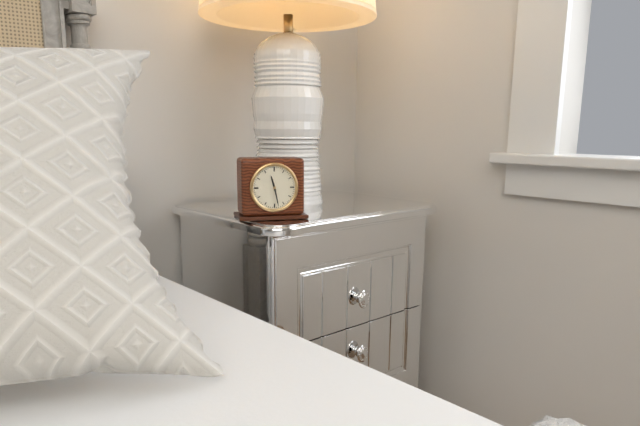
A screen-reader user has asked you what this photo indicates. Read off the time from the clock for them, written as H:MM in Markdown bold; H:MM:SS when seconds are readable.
**11:28**
